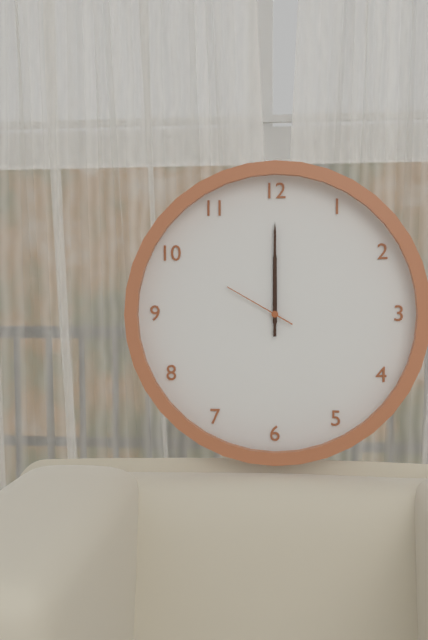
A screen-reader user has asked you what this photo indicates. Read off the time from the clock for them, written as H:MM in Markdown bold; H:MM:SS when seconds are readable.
**12:00:50**
